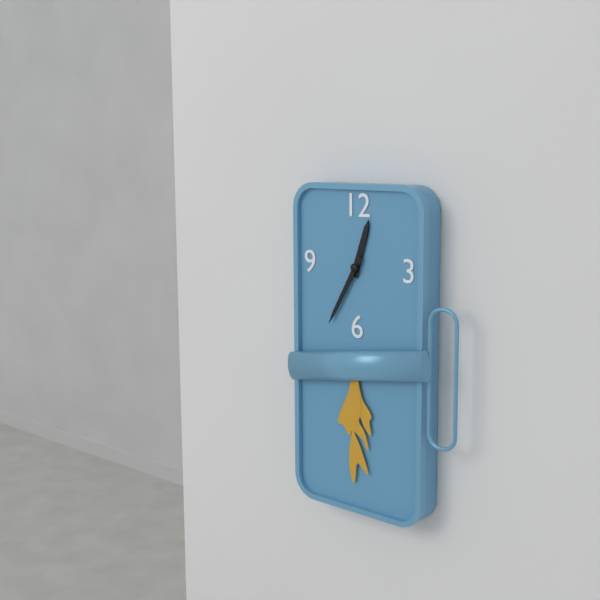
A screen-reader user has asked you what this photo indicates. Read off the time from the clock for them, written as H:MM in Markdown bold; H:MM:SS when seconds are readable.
**12:35**
